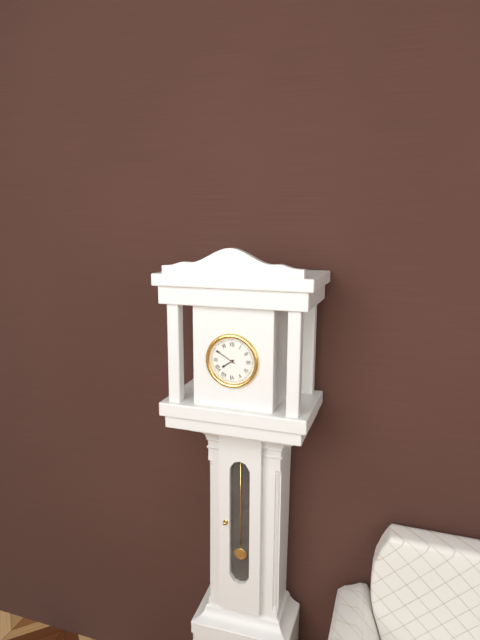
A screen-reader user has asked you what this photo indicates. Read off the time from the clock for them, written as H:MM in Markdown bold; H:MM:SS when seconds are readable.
**7:50**
